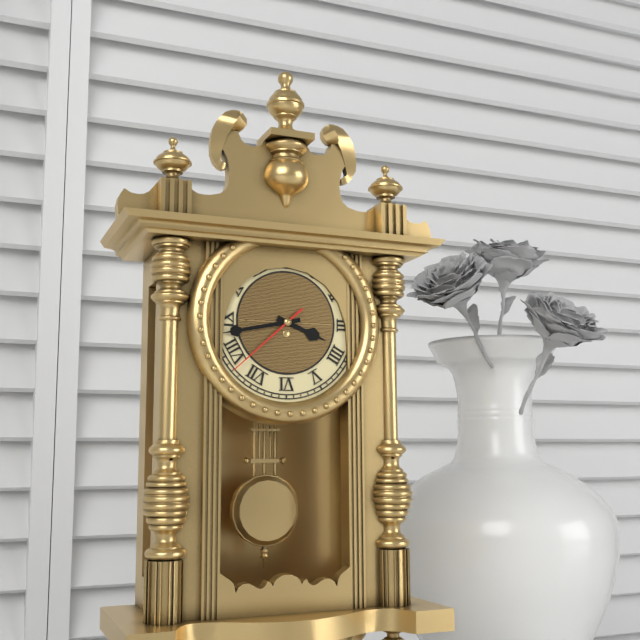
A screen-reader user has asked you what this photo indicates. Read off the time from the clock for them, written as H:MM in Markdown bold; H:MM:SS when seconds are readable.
**3:43:38**
